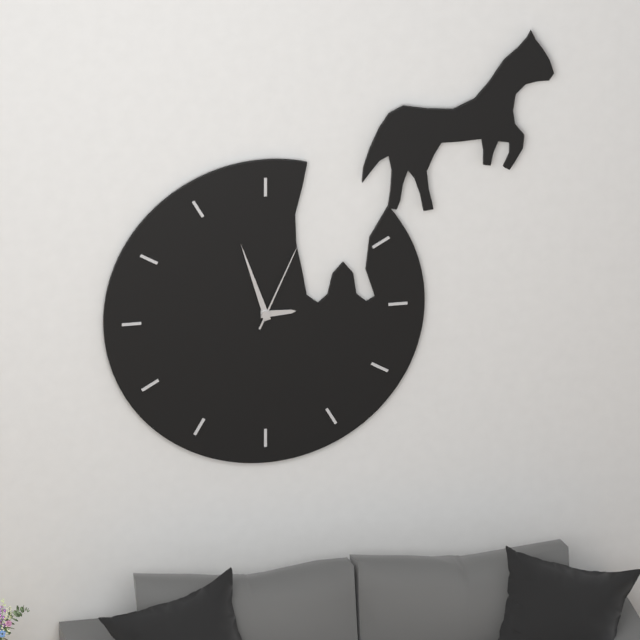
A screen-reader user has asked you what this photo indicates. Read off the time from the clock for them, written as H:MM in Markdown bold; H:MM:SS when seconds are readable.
**2:57:04**
